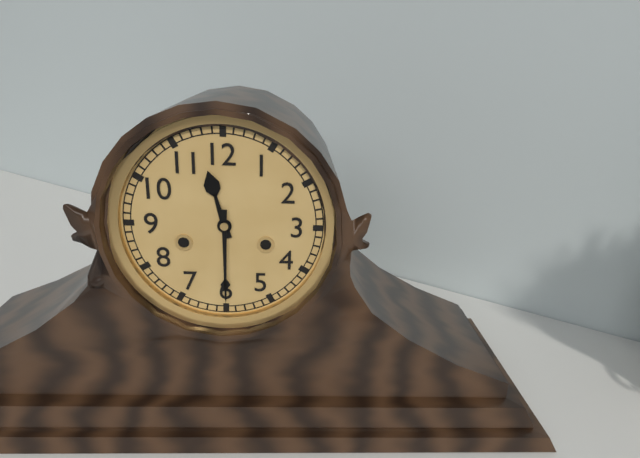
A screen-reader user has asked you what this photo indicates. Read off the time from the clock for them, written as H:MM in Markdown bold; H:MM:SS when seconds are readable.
**11:30**
